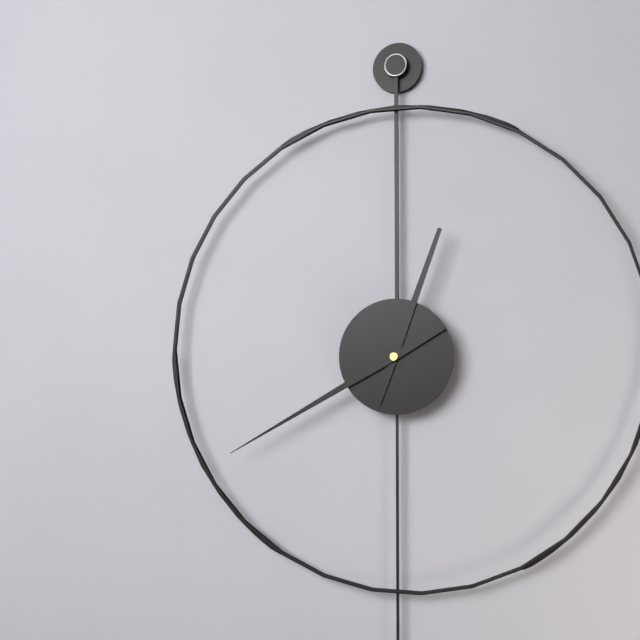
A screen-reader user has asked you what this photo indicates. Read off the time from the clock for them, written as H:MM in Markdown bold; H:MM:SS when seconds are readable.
**12:40**
